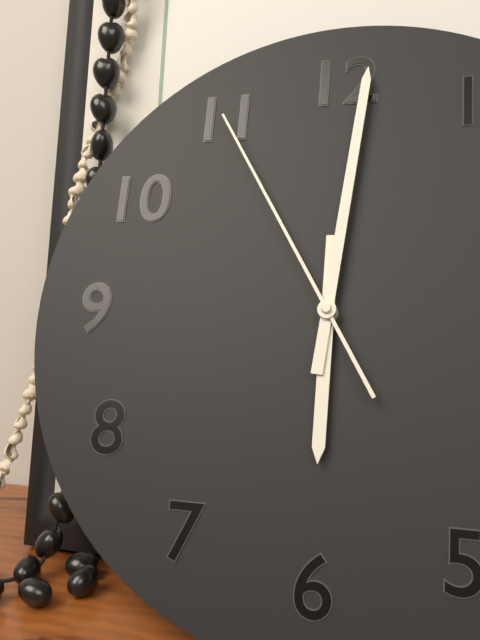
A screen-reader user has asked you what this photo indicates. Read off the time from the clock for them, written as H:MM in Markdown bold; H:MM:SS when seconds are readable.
**6:01:55**
